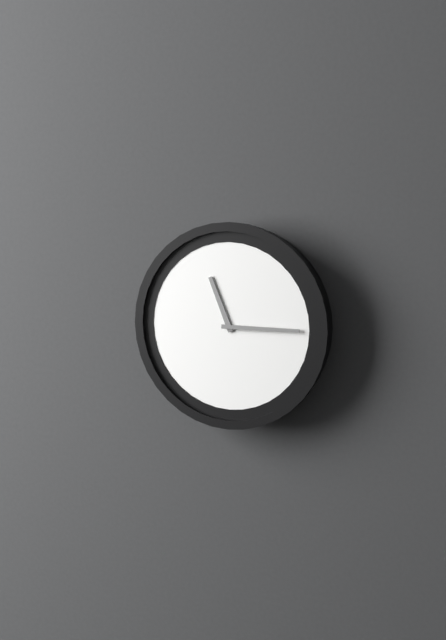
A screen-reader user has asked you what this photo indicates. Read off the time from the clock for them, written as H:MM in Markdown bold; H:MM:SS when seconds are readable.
**11:15**
